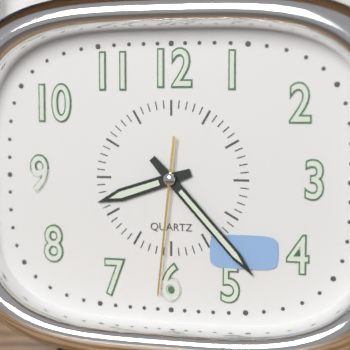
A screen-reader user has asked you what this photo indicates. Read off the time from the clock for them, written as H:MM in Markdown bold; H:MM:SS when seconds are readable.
**8:23:31**
